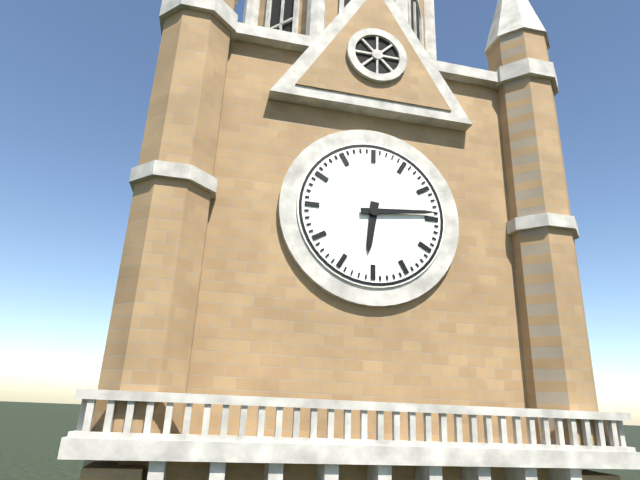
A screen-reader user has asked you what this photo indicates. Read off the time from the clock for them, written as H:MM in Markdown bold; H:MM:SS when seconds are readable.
**6:14**
